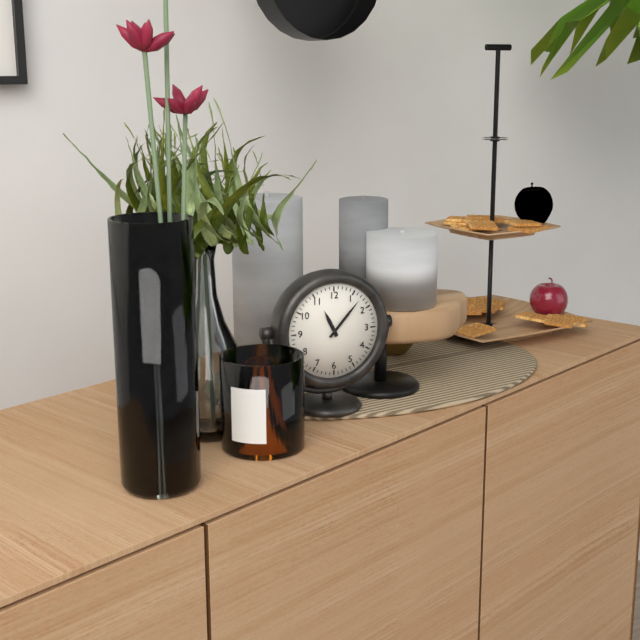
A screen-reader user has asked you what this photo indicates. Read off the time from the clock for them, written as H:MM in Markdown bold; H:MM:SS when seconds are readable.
**11:07**
